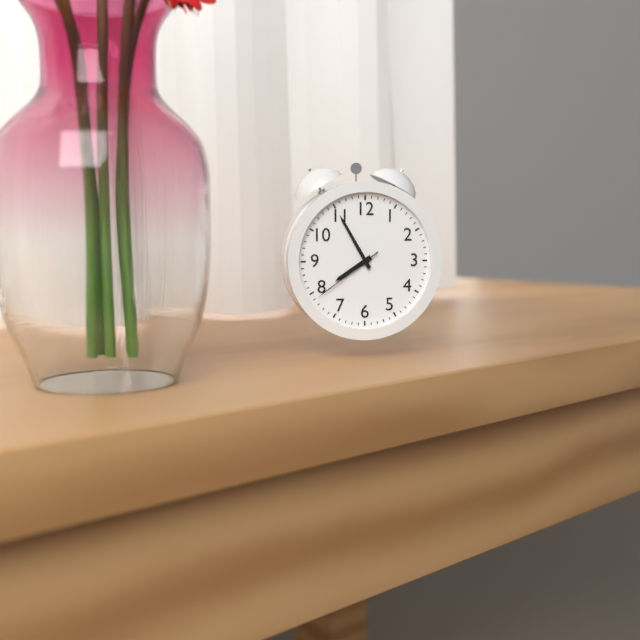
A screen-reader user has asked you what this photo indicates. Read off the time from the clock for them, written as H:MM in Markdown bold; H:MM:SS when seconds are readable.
**7:55:39**
